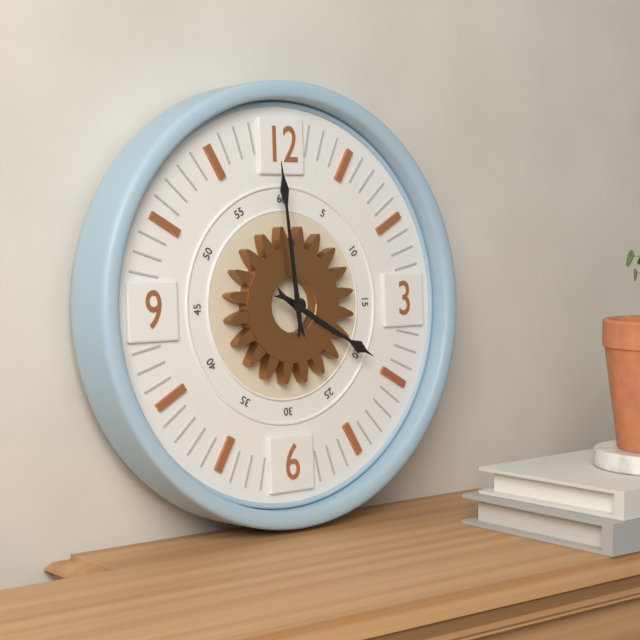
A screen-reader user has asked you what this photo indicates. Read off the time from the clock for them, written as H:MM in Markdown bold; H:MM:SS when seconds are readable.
**3:59**
